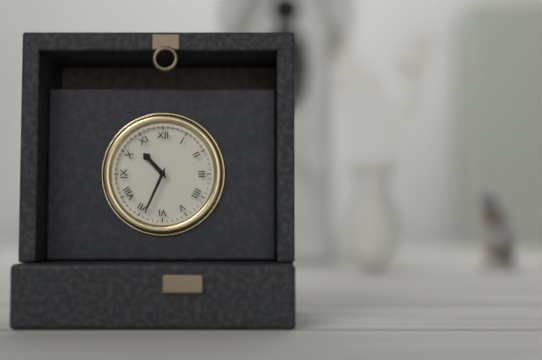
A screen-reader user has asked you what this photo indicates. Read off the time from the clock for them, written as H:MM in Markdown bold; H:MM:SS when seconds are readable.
**10:34**
